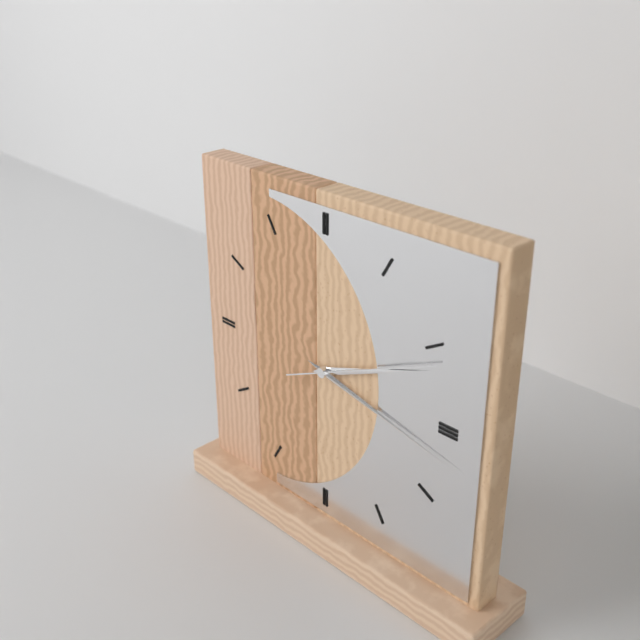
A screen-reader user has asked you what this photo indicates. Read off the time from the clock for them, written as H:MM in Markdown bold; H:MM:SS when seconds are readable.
**2:17:11**
